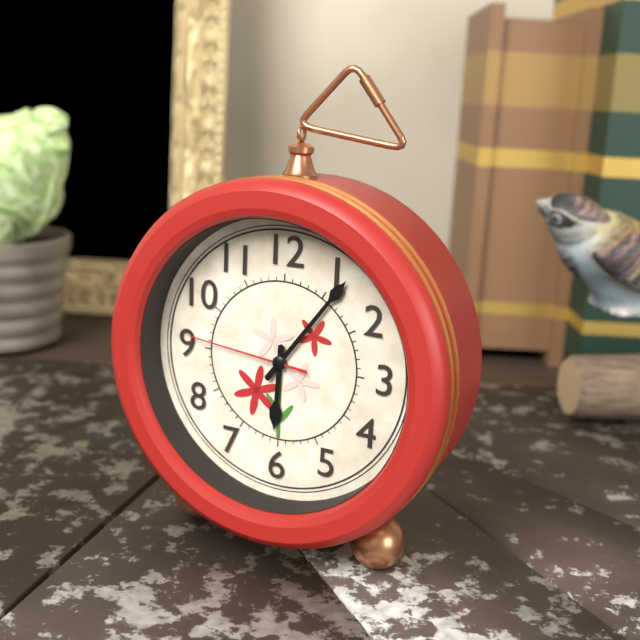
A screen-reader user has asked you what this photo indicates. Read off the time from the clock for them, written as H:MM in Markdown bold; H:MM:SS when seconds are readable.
**6:06:46**
